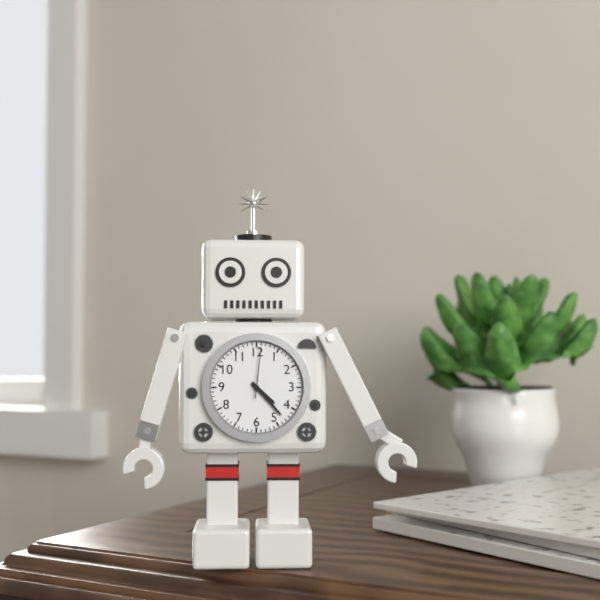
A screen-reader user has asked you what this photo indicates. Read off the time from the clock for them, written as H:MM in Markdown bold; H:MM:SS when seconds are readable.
**4:23**
